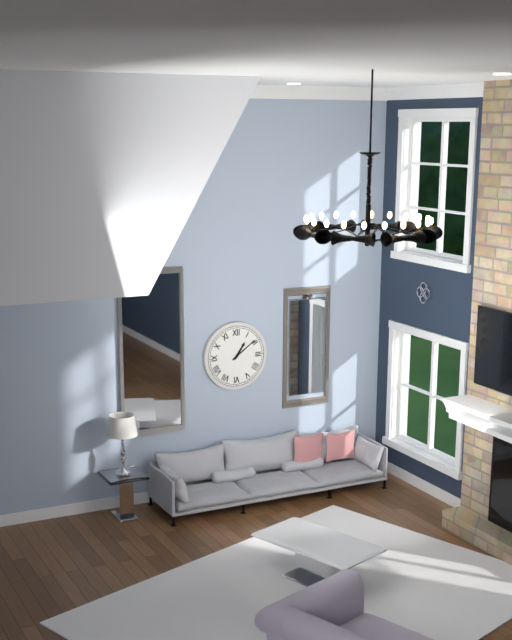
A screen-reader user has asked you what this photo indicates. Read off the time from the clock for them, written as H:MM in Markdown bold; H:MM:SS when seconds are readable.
**1:09**
